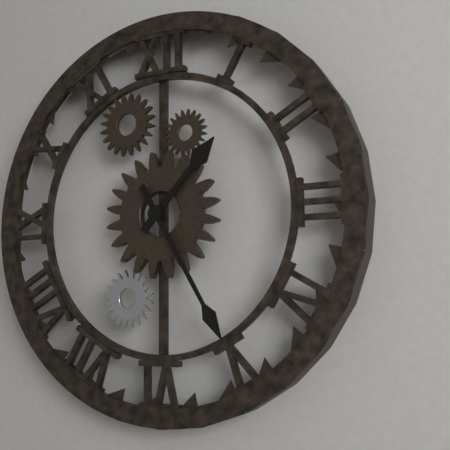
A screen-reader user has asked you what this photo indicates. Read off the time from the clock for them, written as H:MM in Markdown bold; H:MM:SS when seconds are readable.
**1:25**
